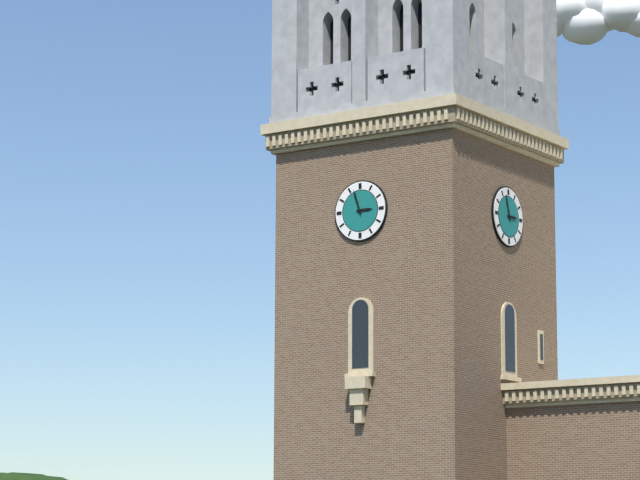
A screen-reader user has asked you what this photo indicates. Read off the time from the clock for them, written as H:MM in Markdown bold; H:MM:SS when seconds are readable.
**2:57**
